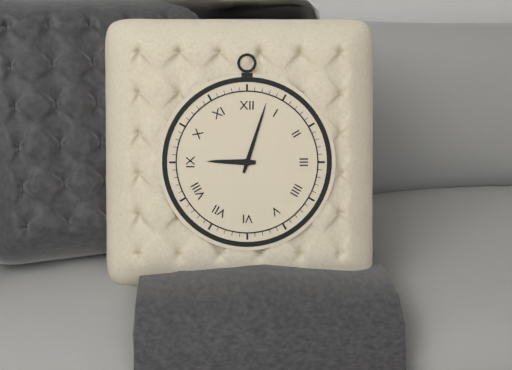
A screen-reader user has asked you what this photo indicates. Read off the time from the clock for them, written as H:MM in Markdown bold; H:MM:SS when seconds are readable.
**9:03**
